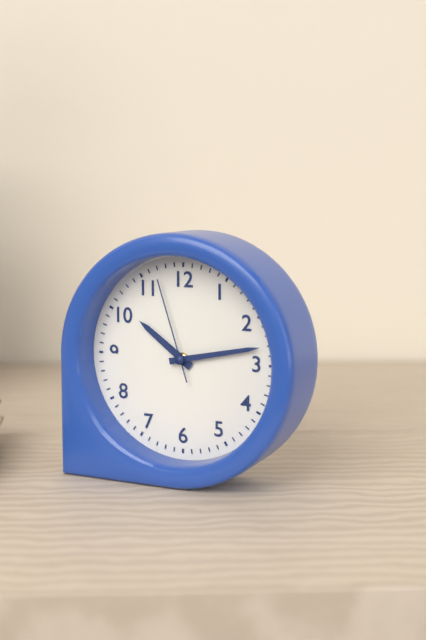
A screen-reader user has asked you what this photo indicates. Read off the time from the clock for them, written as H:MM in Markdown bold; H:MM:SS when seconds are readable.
**10:13:57**
